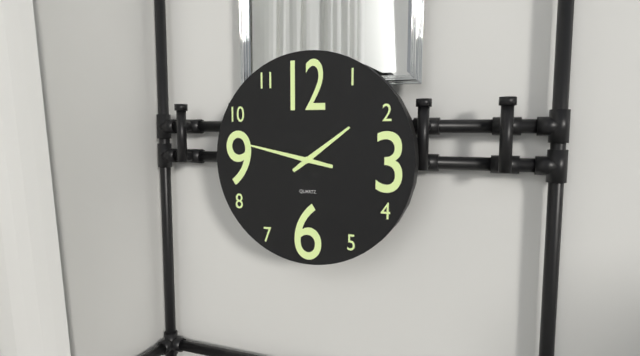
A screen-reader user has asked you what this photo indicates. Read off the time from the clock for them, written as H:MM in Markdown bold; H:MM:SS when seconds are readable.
**1:47**
